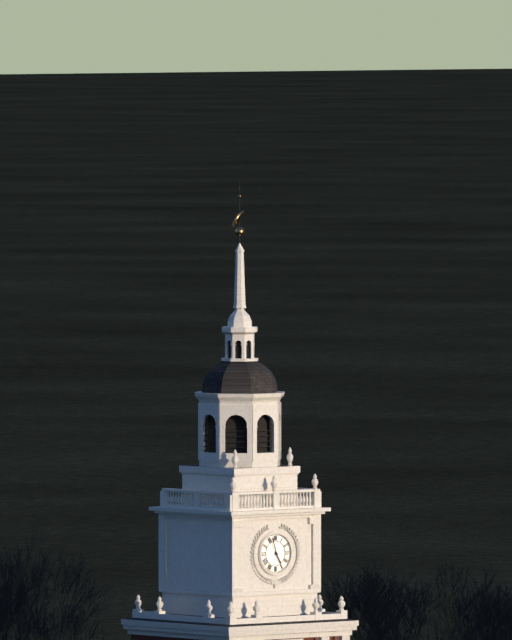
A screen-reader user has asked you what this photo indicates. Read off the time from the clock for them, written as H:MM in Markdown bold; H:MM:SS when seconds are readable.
**4:57**
